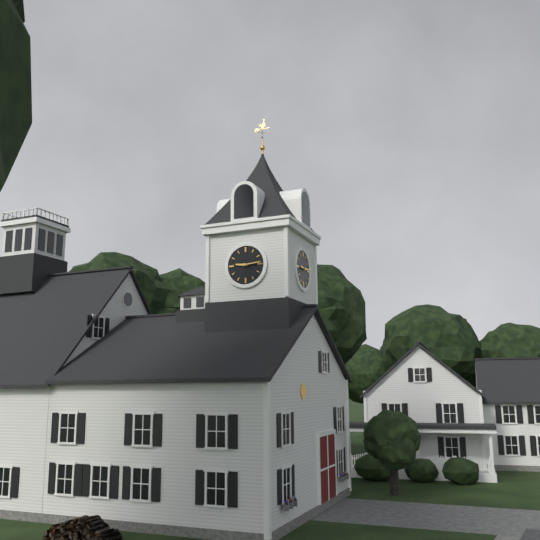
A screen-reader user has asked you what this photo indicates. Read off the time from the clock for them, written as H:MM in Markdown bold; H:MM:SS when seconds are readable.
**9:14**
